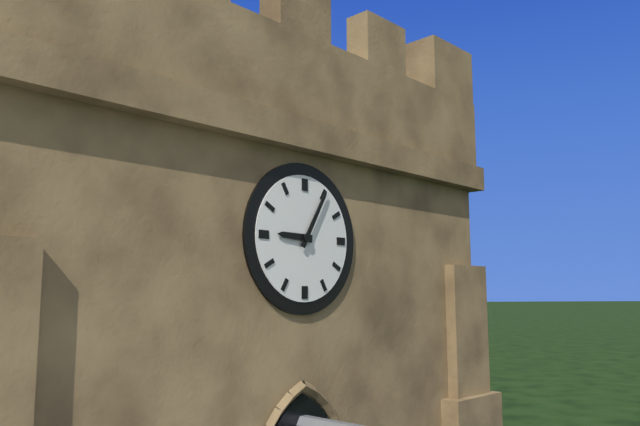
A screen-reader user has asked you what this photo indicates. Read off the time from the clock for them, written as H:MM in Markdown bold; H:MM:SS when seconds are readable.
**9:05**
